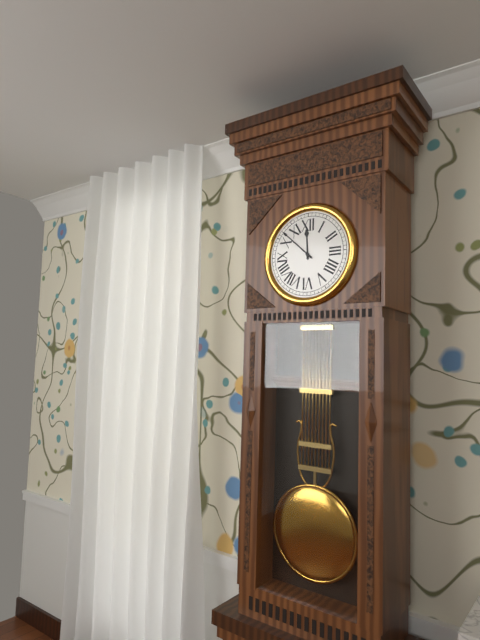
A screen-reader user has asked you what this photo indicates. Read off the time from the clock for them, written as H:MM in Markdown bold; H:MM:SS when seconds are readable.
**11:52**
